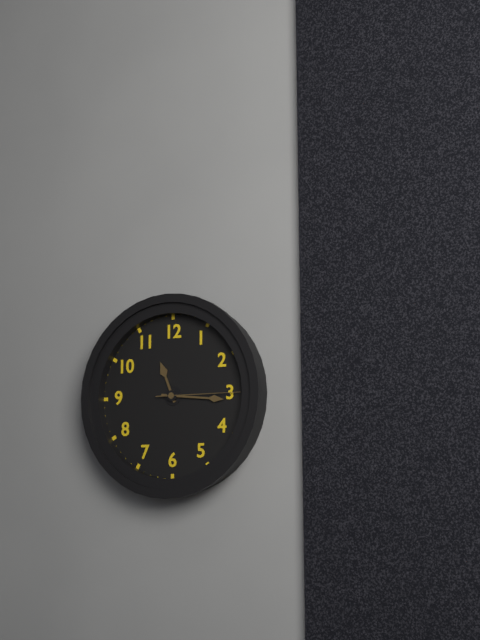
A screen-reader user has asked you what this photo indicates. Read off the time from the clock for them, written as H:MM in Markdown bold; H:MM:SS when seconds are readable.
**11:16:15**
